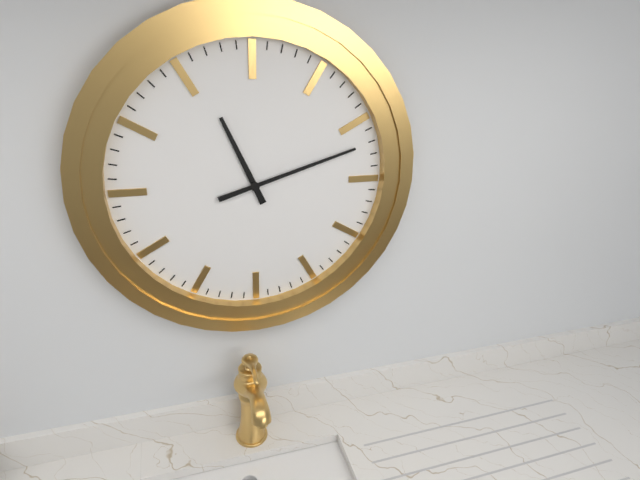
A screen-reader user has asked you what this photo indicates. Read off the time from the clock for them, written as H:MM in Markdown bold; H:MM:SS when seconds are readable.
**11:12**
